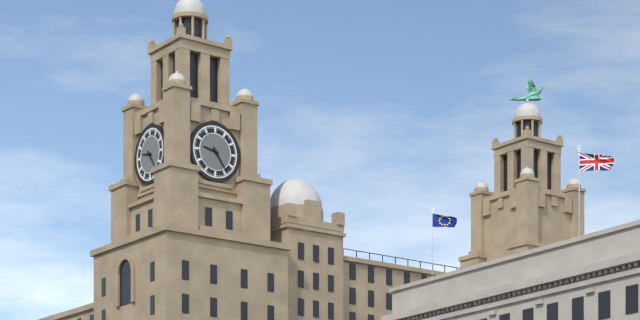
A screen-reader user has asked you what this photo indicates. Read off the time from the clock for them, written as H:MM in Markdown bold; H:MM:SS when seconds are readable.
**9:24**
